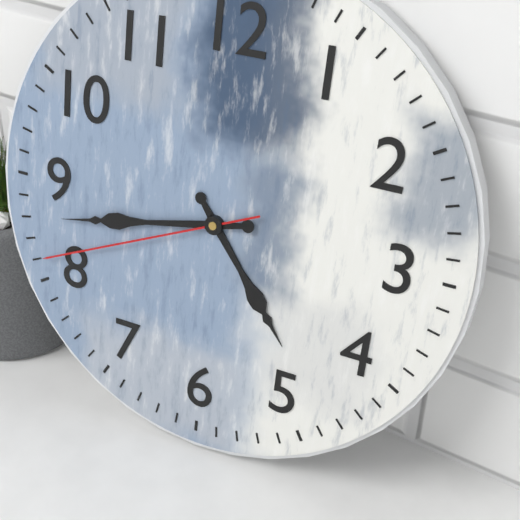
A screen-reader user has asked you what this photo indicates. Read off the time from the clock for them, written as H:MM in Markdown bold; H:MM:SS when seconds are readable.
**4:43:41**
